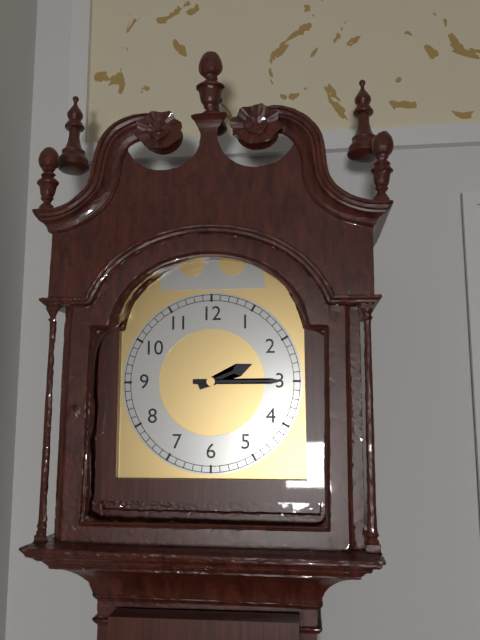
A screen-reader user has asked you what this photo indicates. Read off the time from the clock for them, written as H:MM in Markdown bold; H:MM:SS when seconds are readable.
**2:15**
